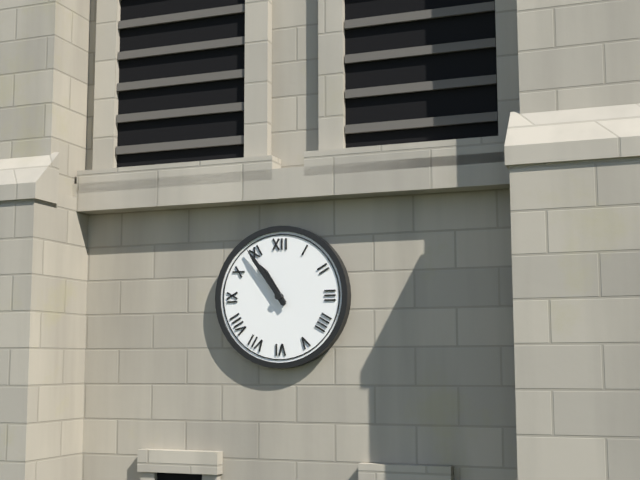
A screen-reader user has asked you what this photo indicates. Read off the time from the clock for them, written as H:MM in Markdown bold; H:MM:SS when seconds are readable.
**10:54**
